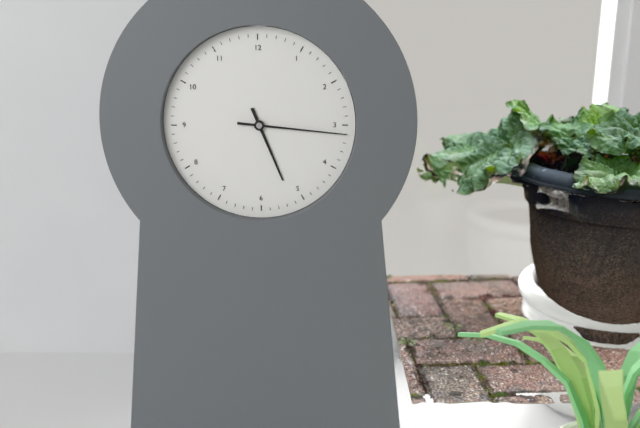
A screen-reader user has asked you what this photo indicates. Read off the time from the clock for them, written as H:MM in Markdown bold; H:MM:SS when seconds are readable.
**5:16**
